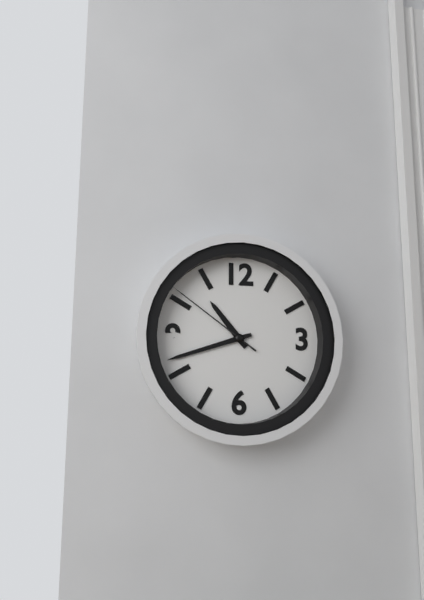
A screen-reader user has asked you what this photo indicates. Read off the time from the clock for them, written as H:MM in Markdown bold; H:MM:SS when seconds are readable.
**10:42:51**
